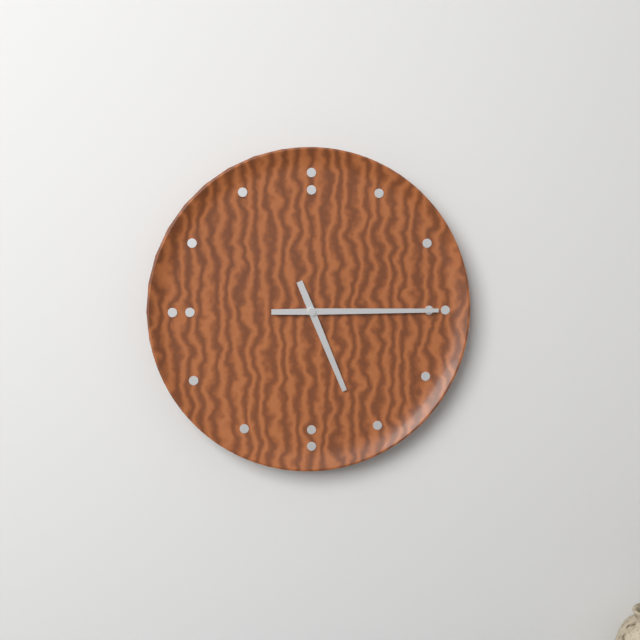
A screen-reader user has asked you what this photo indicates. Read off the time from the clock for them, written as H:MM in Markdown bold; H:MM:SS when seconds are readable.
**5:15**
